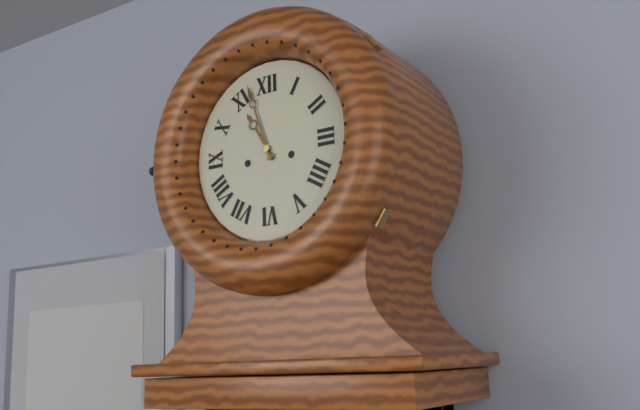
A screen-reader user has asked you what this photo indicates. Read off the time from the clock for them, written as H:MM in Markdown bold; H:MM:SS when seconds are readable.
**10:57**
